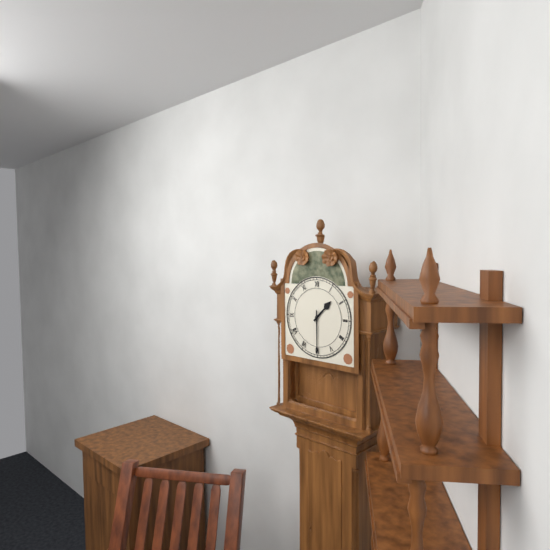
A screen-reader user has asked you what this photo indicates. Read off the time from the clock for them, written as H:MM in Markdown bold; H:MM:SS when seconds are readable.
**1:30**
